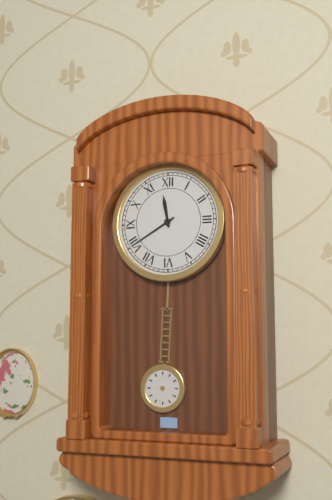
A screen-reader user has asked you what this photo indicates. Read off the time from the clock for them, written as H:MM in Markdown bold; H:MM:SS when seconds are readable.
**11:40**
